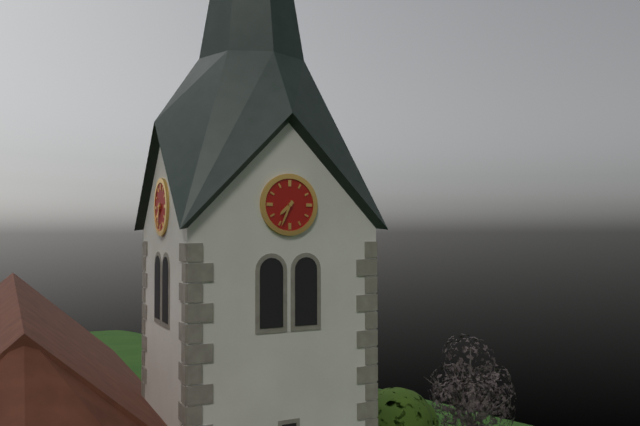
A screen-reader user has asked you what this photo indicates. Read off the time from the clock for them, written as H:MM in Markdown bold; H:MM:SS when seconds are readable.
**7:34**
